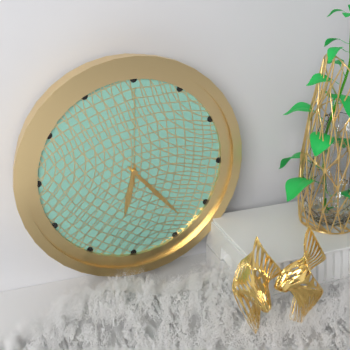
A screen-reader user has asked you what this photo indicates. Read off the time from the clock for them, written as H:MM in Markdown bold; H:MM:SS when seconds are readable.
**6:23:00**
